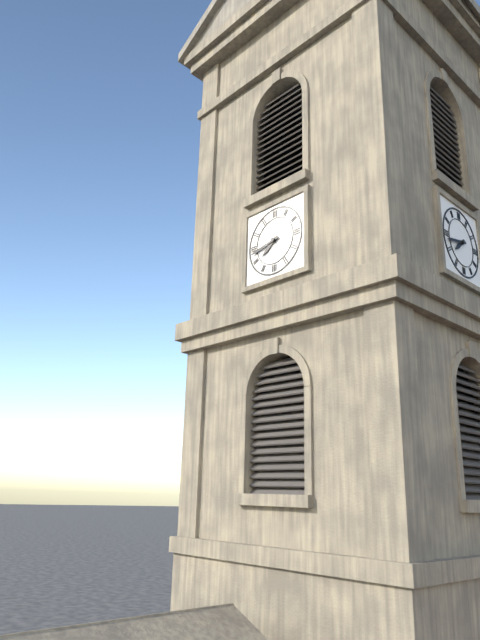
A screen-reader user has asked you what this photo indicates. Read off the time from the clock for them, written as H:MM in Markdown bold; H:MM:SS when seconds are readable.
**7:43**
